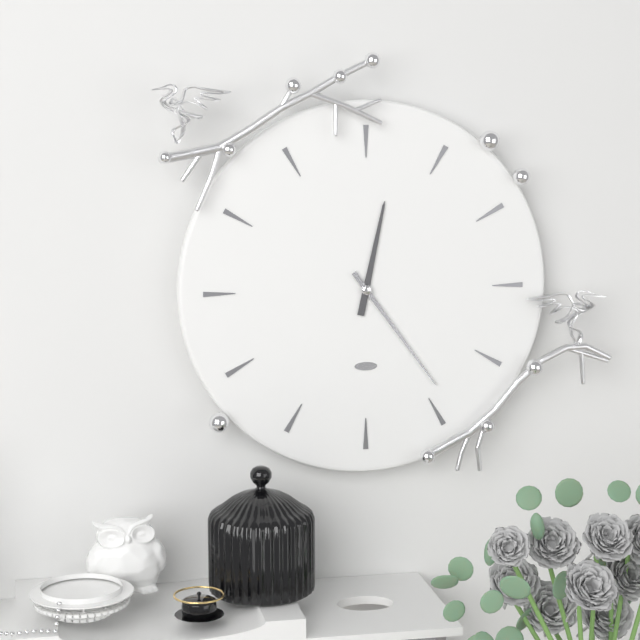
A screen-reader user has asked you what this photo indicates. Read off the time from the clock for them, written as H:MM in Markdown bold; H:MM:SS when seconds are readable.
**12:24**
